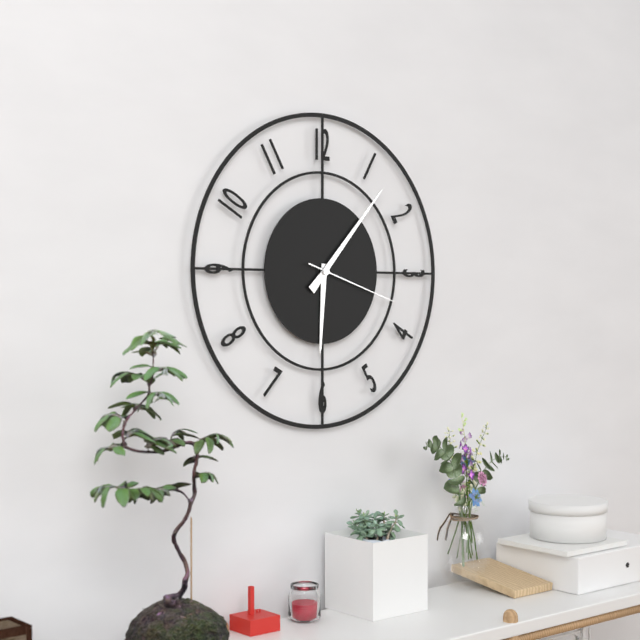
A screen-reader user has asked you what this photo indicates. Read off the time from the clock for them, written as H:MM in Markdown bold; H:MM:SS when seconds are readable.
**6:07:18**
